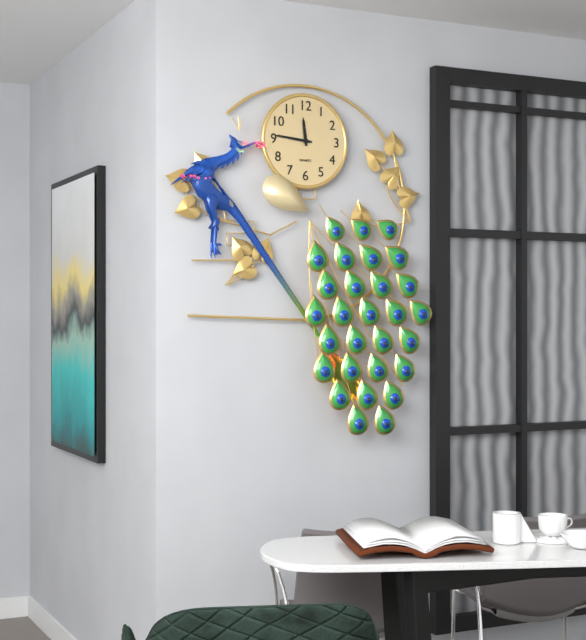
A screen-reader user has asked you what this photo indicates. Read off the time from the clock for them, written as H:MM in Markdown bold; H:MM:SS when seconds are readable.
**11:46**
